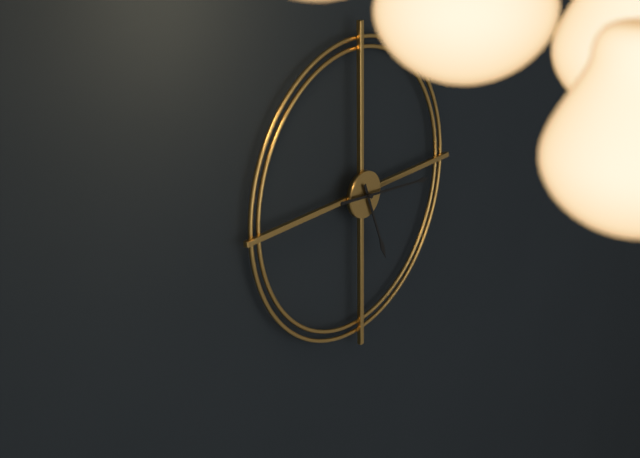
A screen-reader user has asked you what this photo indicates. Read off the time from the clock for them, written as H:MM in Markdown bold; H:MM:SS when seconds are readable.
**5:16**
